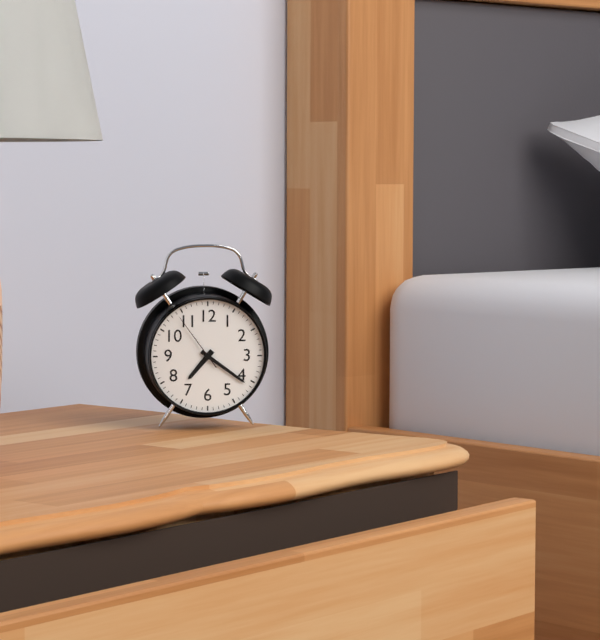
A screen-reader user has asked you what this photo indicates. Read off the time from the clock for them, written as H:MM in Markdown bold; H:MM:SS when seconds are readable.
**7:21:54**
